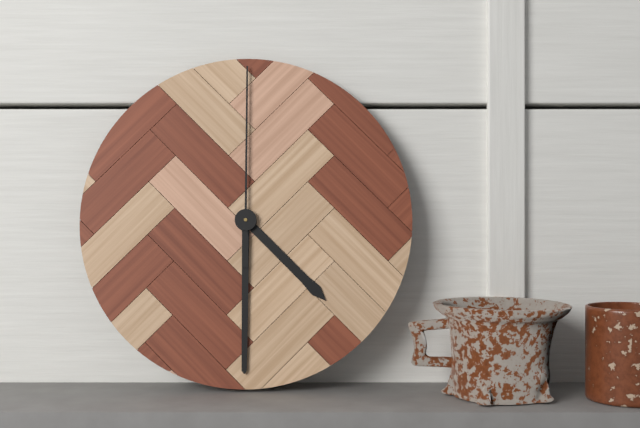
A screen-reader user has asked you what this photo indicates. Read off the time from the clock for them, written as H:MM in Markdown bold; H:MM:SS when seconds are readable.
**4:30:00**
